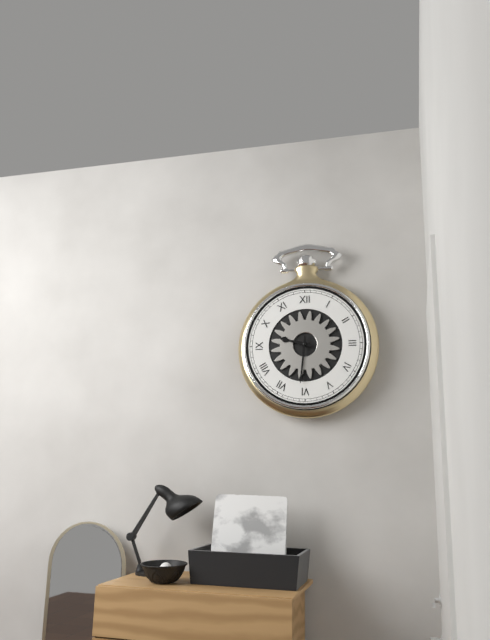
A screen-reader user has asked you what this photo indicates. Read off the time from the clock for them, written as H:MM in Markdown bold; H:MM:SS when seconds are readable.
**9:31**
